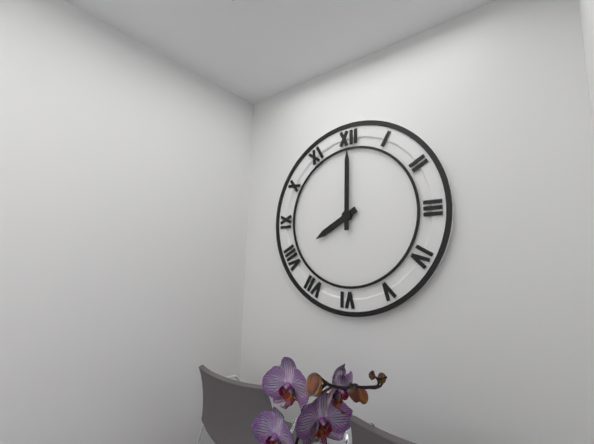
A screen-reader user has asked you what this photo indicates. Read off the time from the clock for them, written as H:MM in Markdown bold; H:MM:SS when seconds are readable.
**8:00**
